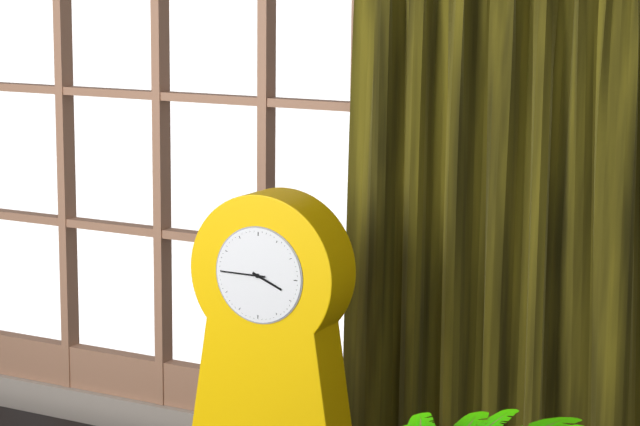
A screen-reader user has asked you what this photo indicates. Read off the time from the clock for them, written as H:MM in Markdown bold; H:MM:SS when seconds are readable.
**3:45**
